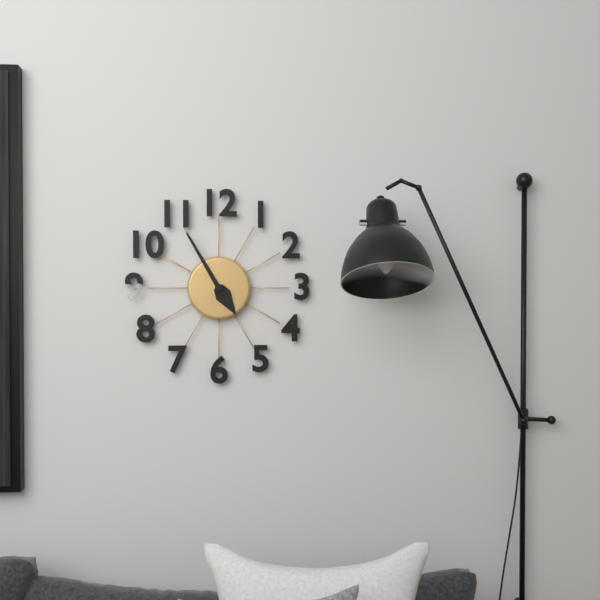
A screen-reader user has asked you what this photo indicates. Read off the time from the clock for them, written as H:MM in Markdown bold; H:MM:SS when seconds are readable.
**4:55**
